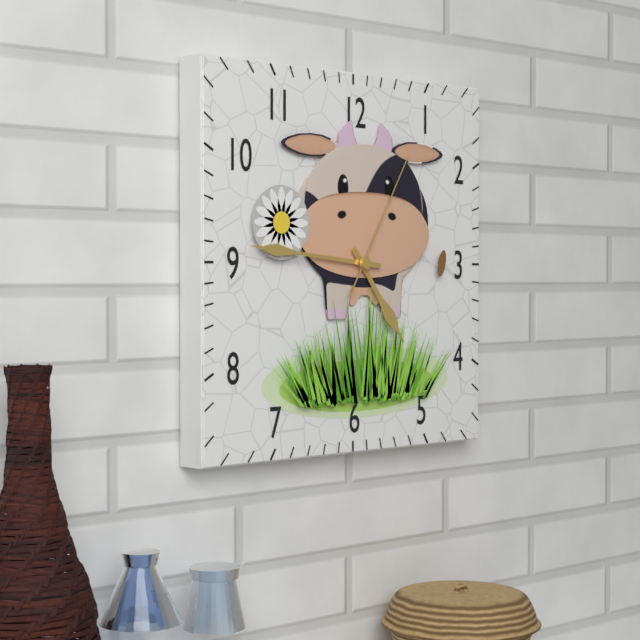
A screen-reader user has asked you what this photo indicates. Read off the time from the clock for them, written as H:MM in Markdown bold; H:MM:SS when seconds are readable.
**4:46:05**
